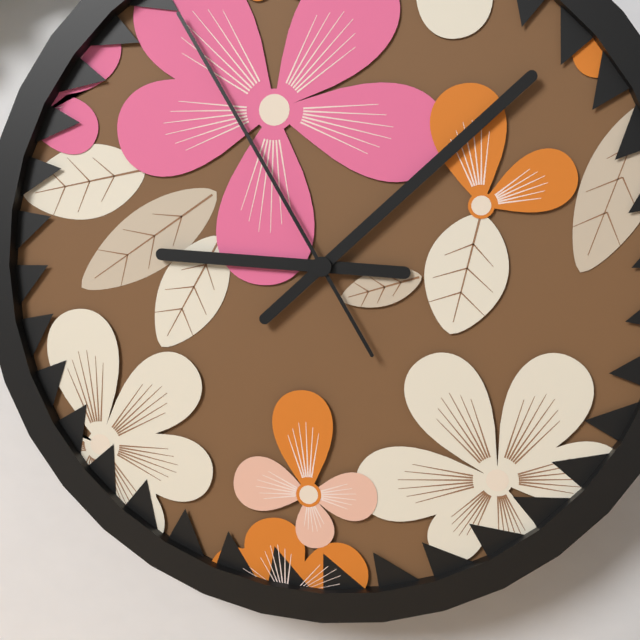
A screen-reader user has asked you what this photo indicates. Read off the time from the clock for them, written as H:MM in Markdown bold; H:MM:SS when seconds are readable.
**9:08:55**
